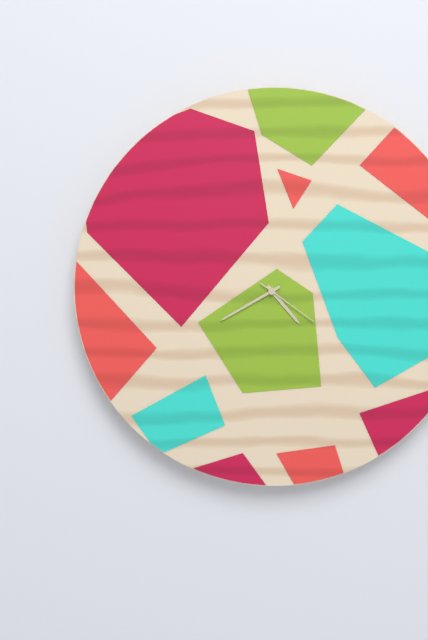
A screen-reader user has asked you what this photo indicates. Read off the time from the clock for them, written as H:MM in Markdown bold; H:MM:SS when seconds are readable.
**4:40:21**
